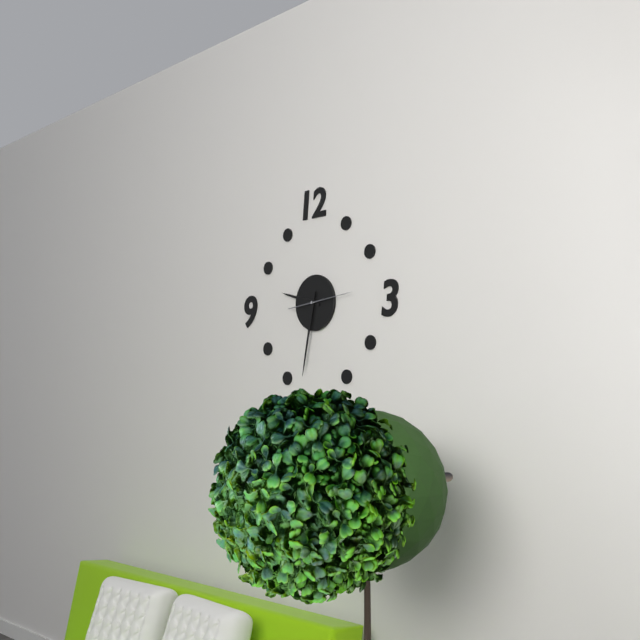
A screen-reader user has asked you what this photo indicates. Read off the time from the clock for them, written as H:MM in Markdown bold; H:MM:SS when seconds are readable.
**9:32:14**
